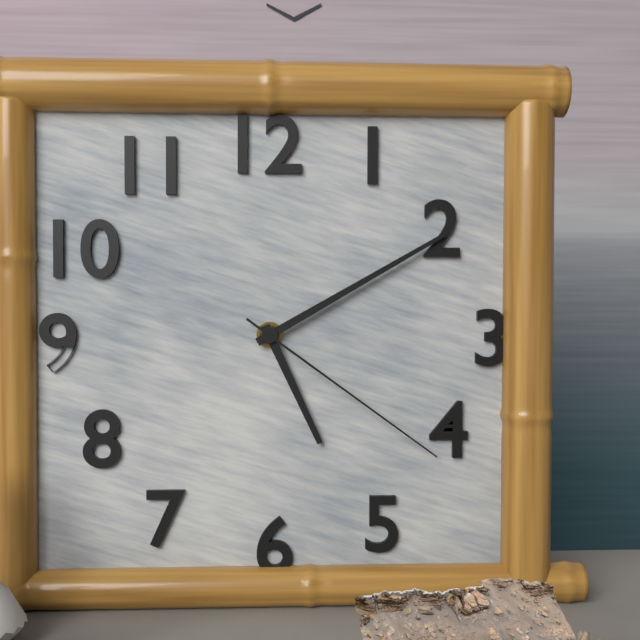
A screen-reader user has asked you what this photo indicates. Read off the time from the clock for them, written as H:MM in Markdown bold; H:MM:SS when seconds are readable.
**5:10:21**
